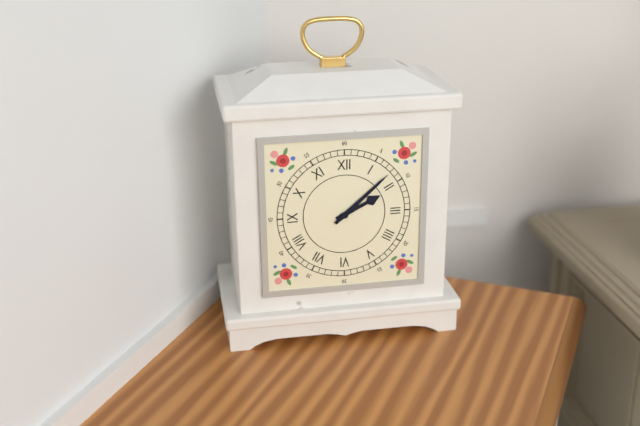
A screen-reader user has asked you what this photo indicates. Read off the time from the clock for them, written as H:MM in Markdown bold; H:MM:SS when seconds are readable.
**2:08**
